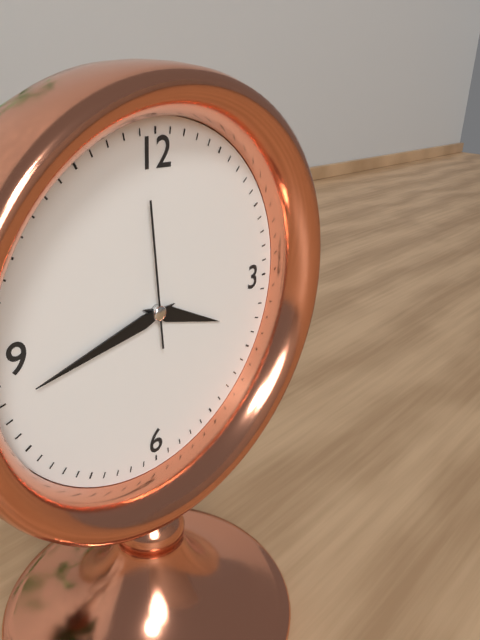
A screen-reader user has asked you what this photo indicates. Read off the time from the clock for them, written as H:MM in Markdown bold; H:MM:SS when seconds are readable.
**3:43:59**
